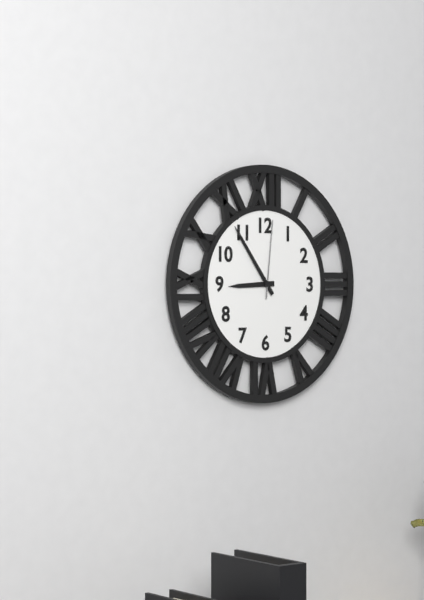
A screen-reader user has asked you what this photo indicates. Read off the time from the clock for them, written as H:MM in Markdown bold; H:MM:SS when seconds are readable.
**8:54:01**
